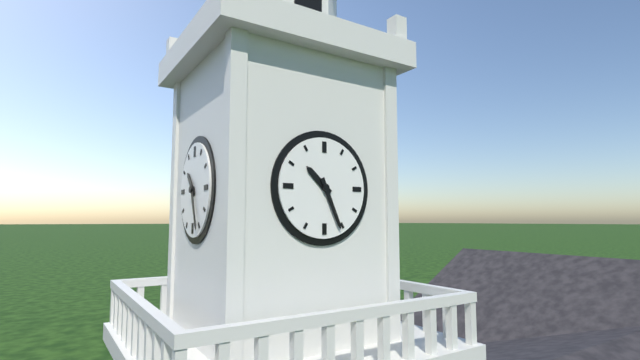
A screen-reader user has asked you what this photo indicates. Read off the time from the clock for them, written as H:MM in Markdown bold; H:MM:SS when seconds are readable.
**10:26**
